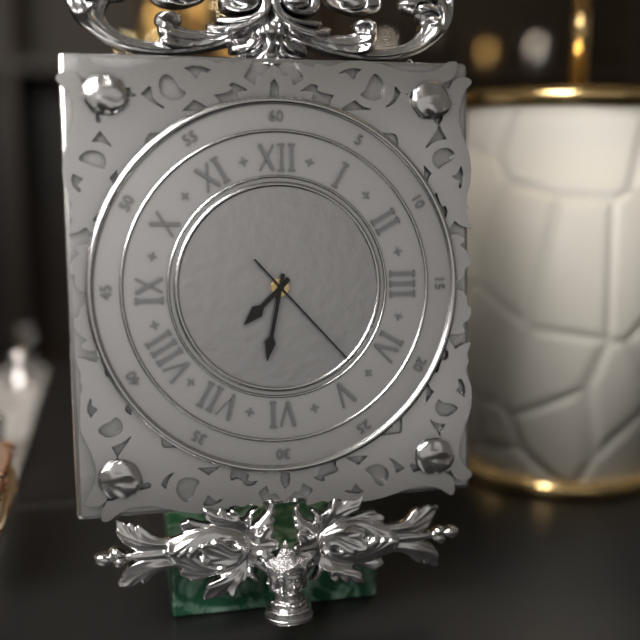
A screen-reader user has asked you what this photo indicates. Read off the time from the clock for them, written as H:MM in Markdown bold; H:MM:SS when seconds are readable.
**7:32:23**
